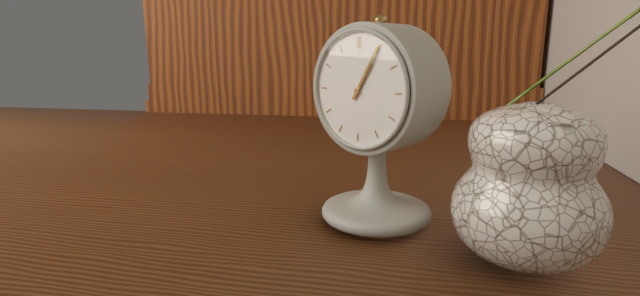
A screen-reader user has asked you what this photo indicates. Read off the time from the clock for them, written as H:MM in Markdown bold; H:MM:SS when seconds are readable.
**1:05**
